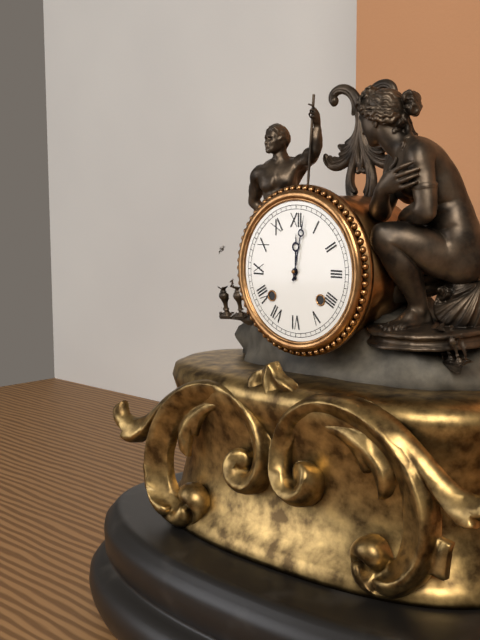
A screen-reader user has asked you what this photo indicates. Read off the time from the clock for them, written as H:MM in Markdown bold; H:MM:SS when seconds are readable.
**12:02**
